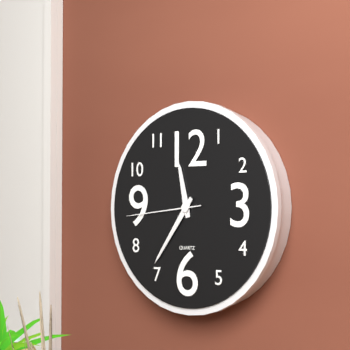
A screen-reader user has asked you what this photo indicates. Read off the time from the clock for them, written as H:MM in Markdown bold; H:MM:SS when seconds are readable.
**11:36:44**
